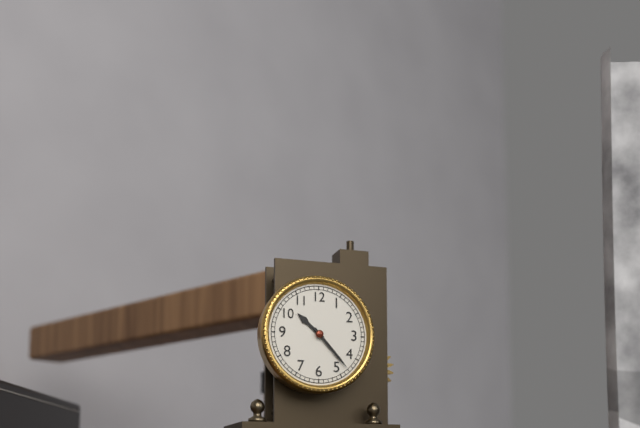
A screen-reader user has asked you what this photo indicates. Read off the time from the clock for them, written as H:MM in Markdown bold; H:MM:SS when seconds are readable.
**10:23**
